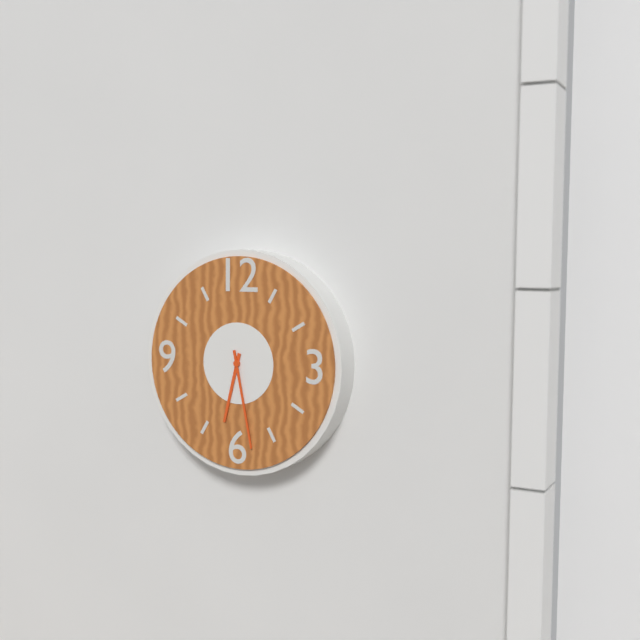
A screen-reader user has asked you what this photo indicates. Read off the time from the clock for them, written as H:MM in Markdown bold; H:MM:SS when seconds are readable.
**6:28**
